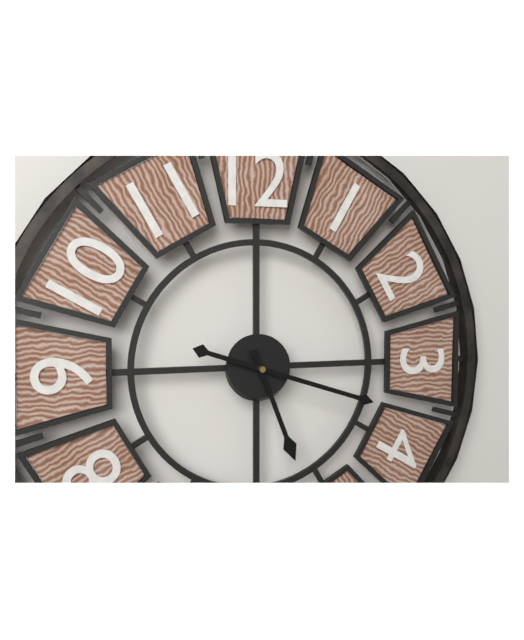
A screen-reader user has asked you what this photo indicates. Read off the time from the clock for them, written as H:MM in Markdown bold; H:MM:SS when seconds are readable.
**5:18**
